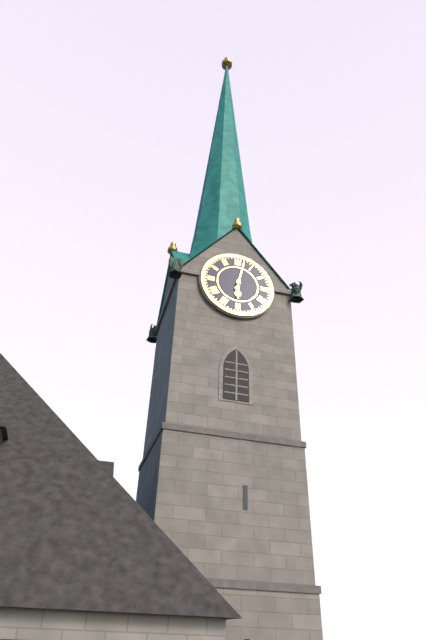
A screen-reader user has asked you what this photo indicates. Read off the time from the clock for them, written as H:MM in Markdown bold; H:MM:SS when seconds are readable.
**6:02**
